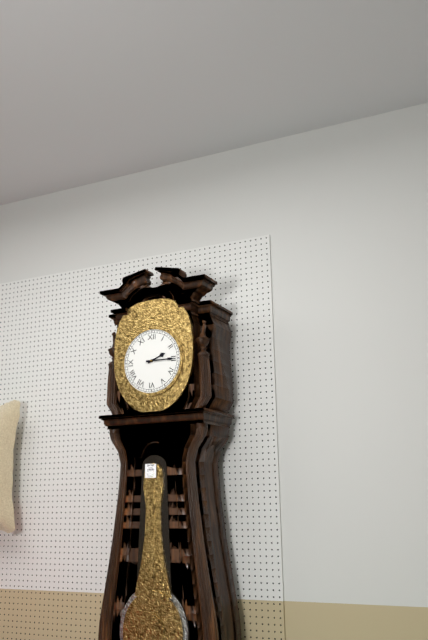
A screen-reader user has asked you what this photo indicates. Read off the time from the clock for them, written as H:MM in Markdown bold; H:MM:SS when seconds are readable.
**2:15**
